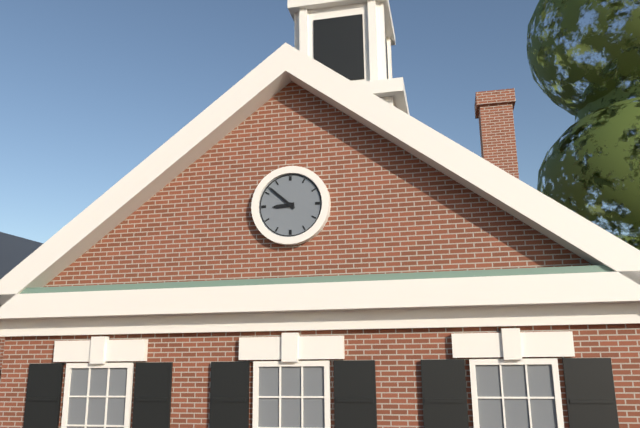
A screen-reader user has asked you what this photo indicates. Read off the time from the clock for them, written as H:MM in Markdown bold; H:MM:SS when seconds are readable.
**8:52**
